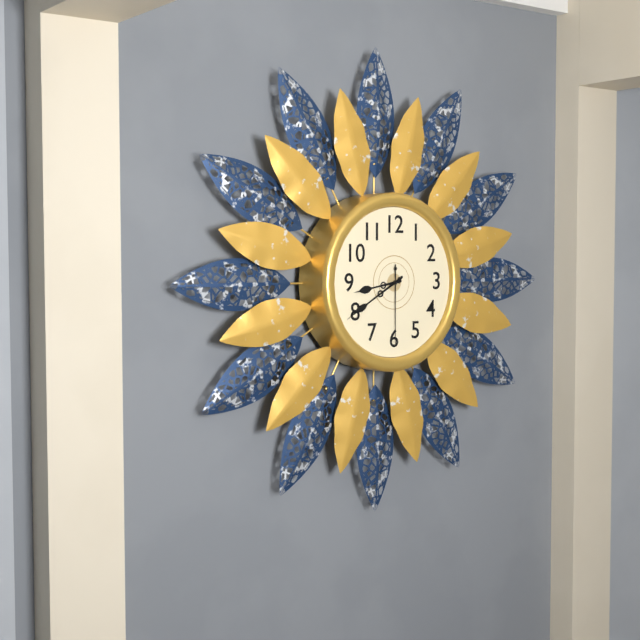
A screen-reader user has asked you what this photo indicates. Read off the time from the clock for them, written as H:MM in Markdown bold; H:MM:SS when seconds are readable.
**8:40:30**
